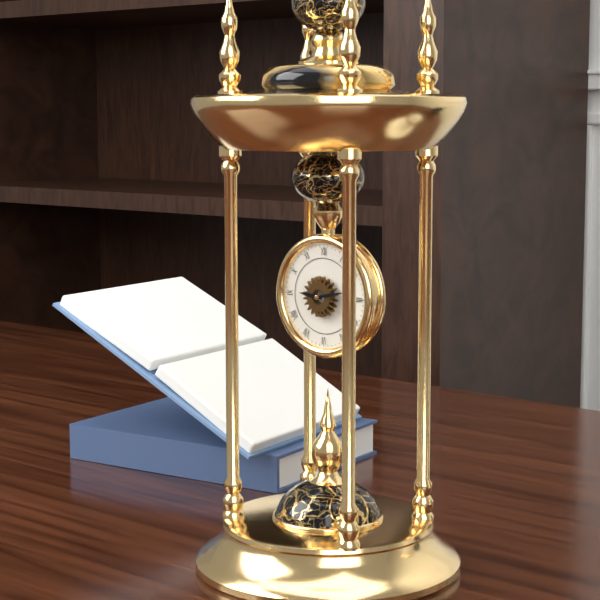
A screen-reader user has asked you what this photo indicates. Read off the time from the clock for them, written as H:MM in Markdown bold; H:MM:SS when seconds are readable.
**9:13**
